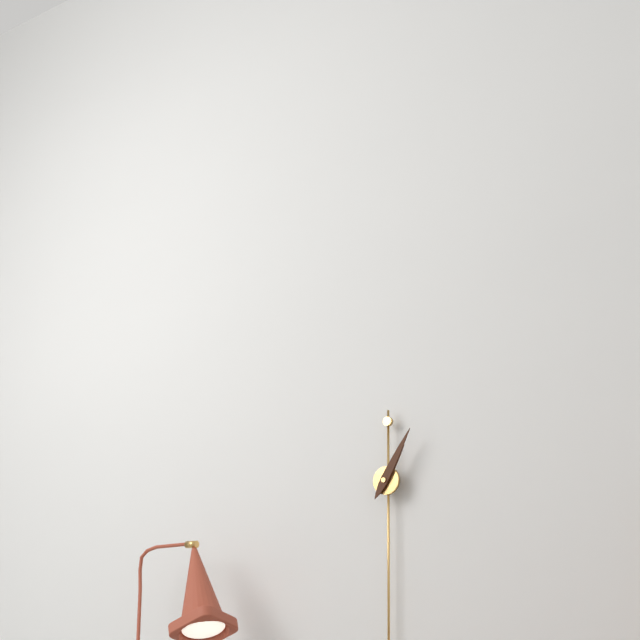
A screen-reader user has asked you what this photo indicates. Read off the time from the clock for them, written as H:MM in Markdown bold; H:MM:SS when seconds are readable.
**1:05**
